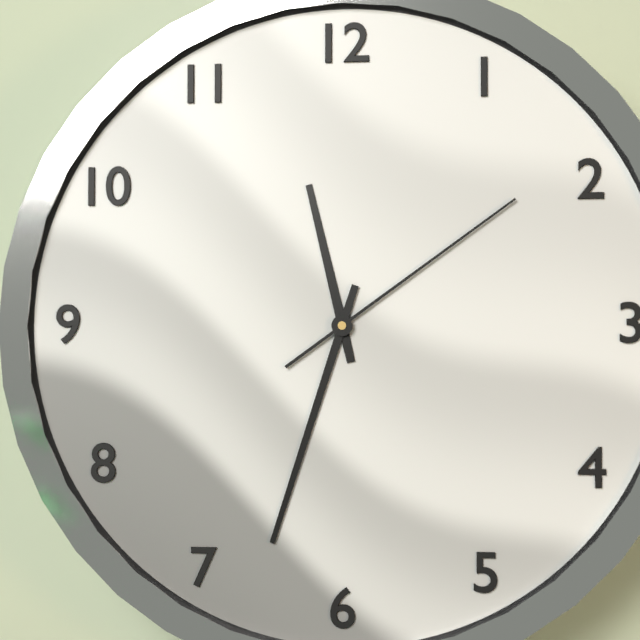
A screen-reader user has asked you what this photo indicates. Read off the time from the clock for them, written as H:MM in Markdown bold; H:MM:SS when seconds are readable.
**11:33:09**
